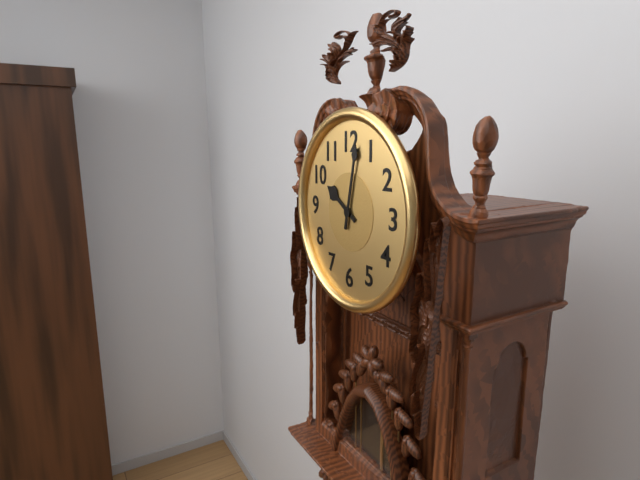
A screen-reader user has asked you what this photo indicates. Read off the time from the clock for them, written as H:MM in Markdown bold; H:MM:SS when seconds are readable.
**10:02**
